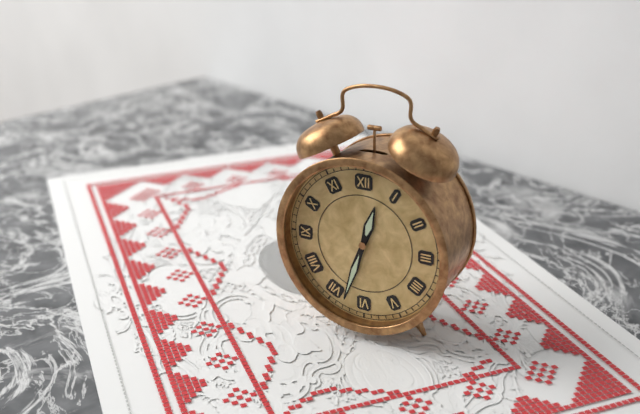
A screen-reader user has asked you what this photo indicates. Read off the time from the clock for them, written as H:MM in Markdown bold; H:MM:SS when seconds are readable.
**12:33**
